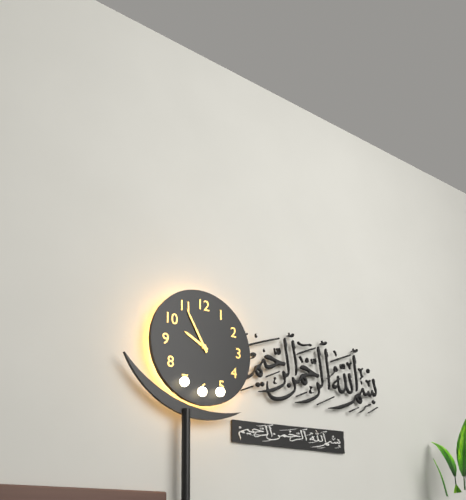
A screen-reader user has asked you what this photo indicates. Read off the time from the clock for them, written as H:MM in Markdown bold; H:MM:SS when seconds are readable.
**9:55**
